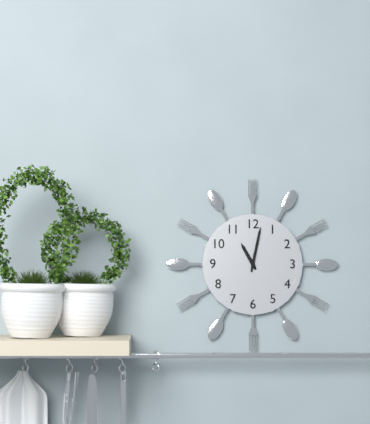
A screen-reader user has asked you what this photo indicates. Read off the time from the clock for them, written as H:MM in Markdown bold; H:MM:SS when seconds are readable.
**11:02**
